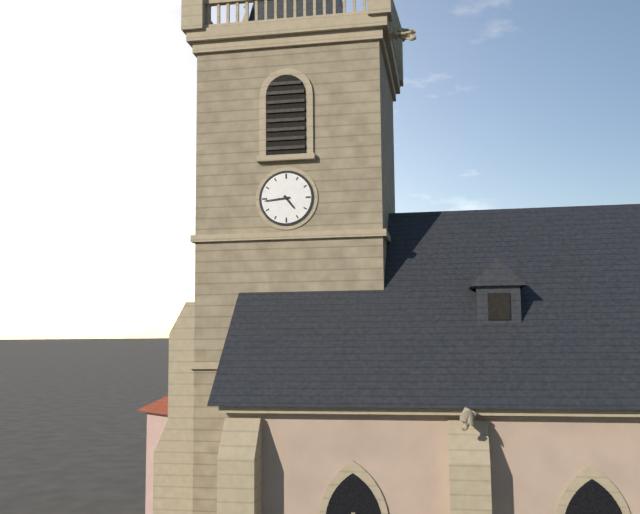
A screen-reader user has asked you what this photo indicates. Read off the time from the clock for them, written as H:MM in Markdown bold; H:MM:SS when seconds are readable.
**4:44**
